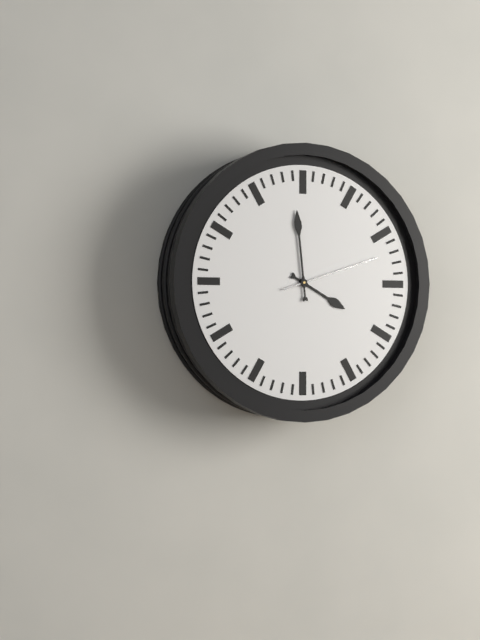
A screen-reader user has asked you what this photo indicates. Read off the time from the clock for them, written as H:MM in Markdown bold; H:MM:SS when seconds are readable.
**3:59:12**
